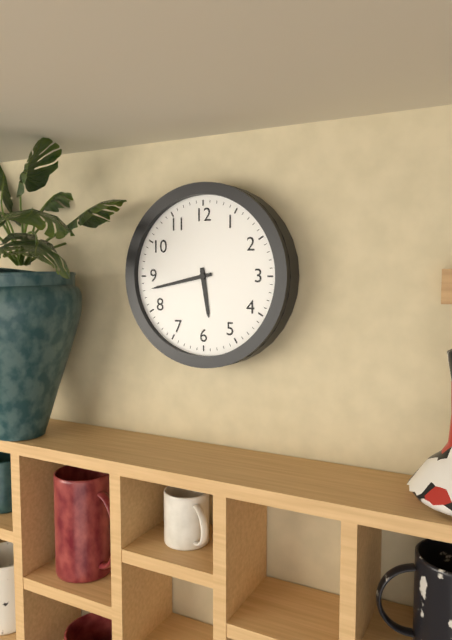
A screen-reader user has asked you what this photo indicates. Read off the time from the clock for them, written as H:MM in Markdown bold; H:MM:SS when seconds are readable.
**5:43**
